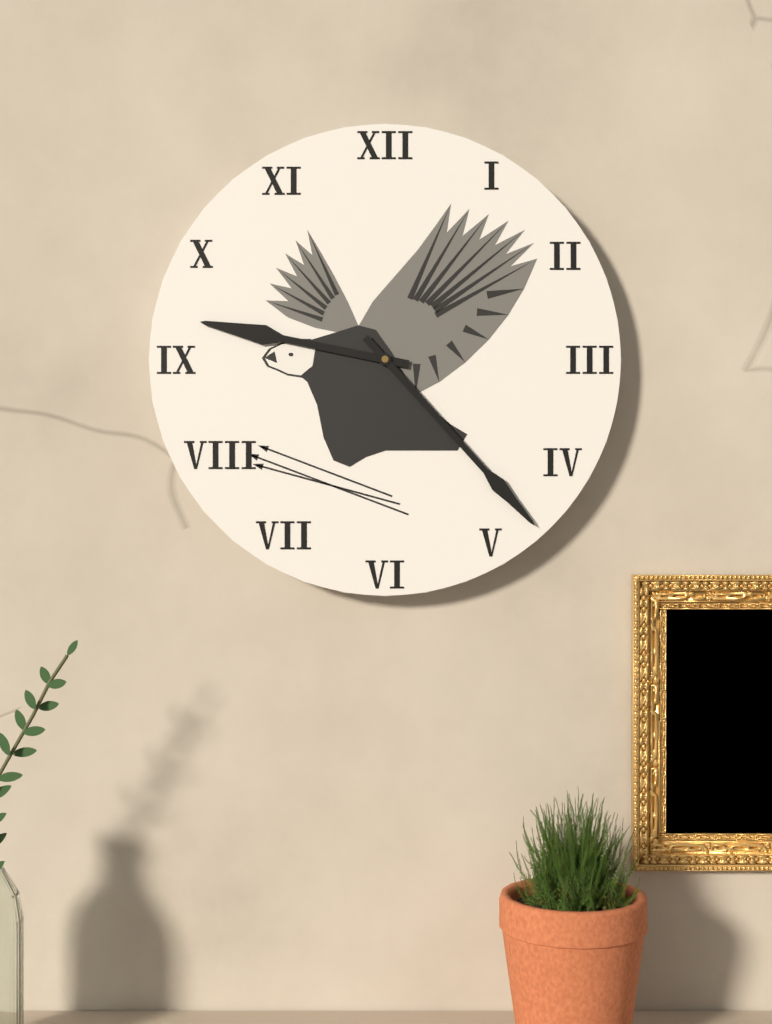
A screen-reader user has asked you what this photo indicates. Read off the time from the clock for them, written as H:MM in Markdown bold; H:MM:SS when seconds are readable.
**9:23**
